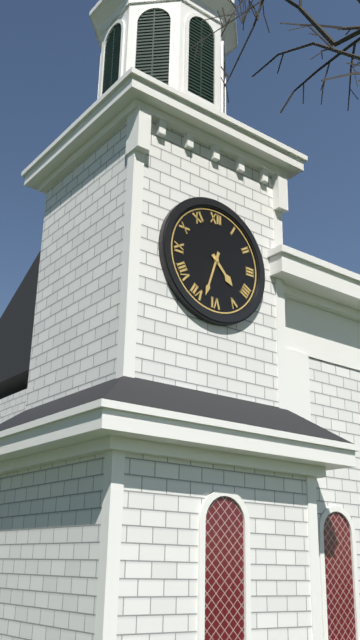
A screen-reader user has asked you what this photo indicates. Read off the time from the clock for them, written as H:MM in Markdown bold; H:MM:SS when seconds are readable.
**4:33**
